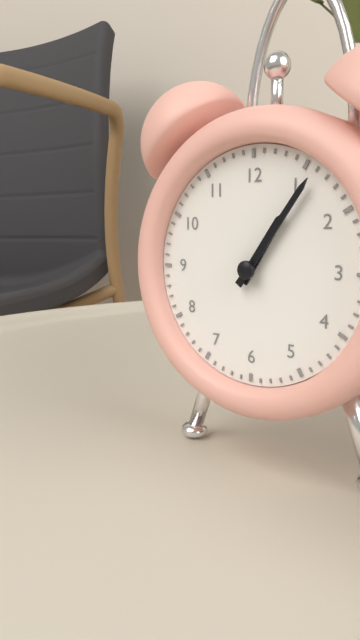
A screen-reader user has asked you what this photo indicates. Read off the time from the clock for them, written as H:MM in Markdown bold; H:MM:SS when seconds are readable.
**1:06**
